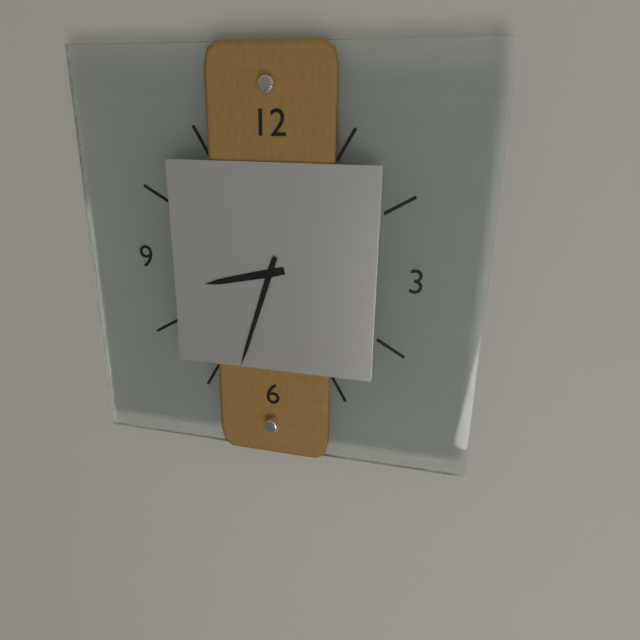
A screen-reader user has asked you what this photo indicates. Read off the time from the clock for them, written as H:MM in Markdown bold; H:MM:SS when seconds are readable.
**8:33**
